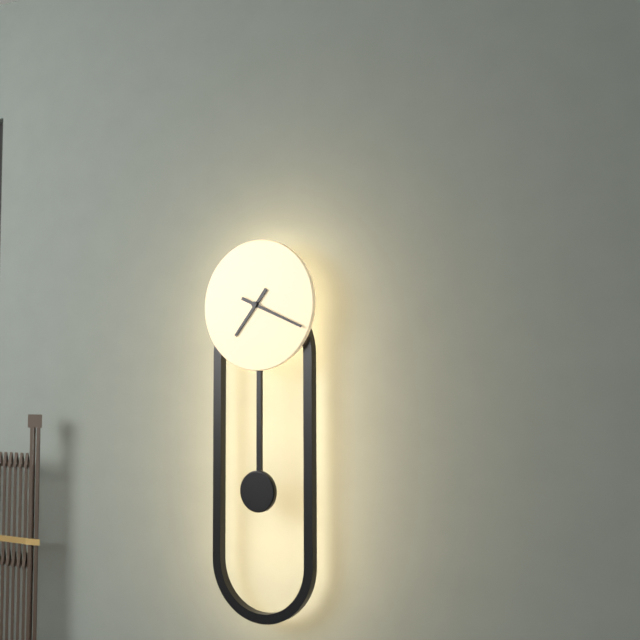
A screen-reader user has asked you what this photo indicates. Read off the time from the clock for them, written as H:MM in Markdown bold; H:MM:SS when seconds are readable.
**7:19**
